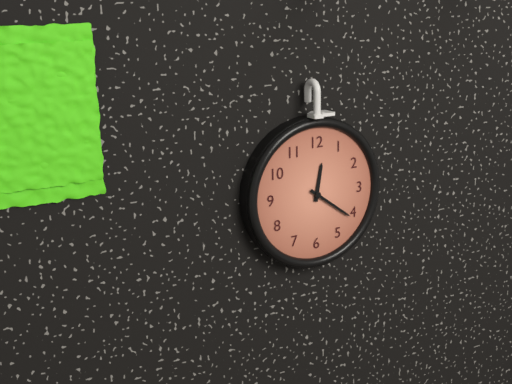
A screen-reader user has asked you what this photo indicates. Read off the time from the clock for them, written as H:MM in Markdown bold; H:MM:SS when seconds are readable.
**12:21**
